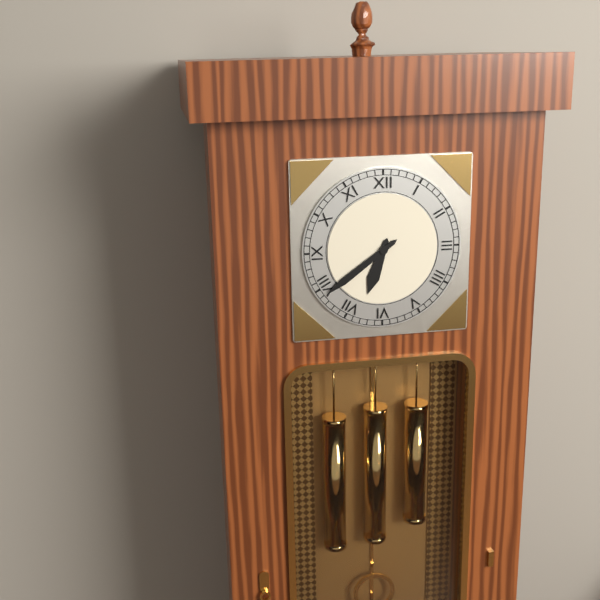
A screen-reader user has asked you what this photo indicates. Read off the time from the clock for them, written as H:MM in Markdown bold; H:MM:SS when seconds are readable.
**6:39**
